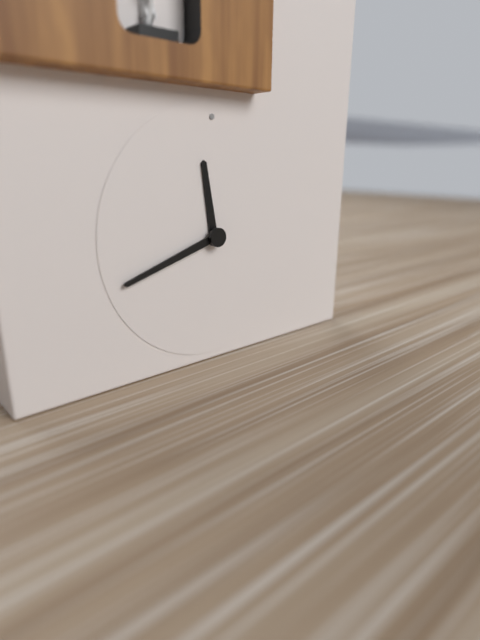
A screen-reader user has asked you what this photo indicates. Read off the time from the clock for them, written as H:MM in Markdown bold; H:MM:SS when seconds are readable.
**11:42**
